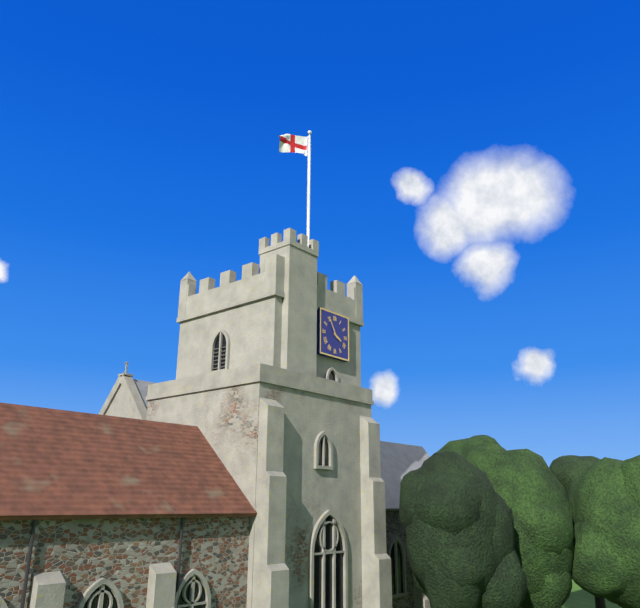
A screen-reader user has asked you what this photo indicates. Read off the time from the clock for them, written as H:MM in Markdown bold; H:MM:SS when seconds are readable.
**3:55**
